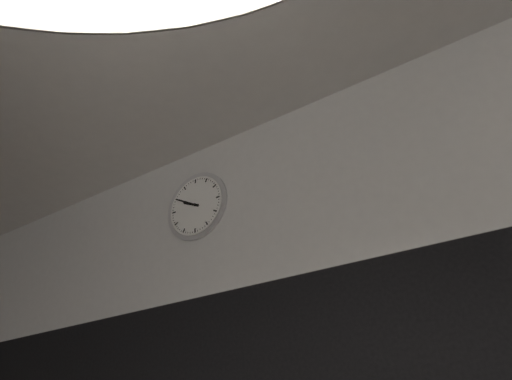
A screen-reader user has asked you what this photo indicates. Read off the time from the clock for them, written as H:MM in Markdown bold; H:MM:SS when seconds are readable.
**9:50**
